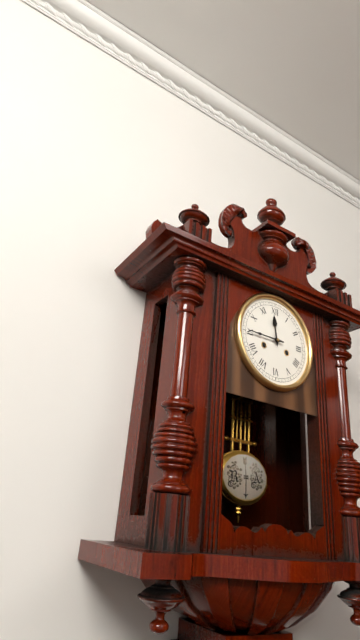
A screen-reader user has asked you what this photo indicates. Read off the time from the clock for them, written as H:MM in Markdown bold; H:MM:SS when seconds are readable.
**11:45**
